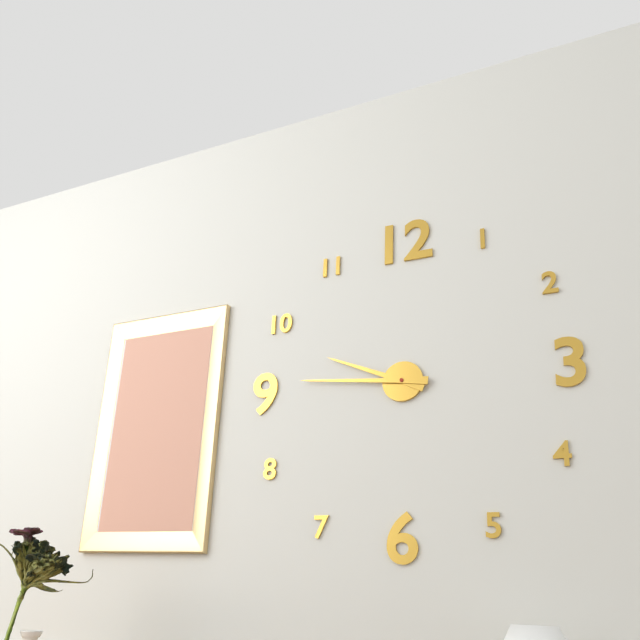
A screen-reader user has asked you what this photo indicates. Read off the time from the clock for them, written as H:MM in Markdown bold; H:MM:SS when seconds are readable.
**9:46**
